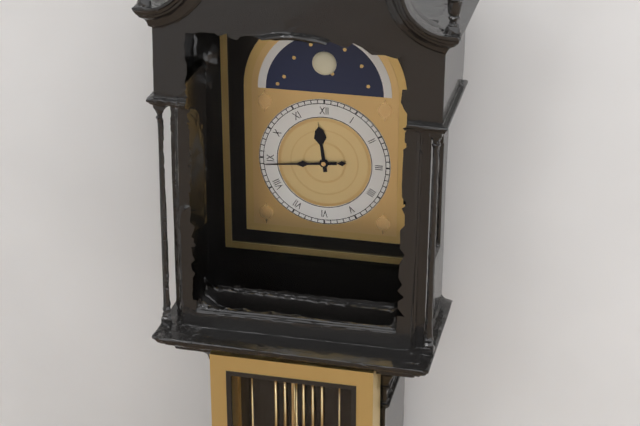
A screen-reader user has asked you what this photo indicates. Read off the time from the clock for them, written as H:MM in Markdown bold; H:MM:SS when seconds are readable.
**11:44**
